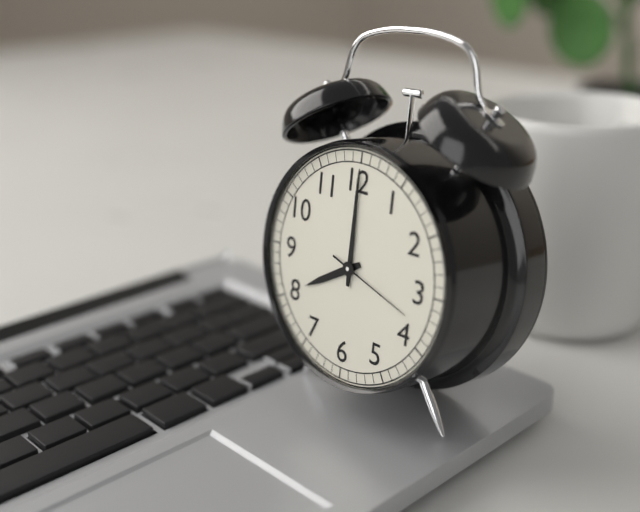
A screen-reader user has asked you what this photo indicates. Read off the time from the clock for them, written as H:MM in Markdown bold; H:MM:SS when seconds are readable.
**8:00:18**
